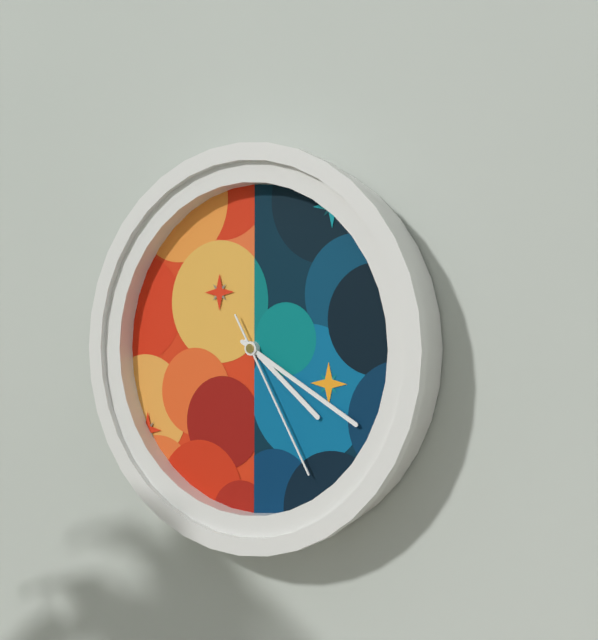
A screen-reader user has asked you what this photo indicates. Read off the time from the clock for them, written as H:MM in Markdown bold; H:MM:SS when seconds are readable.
**4:20:25**
